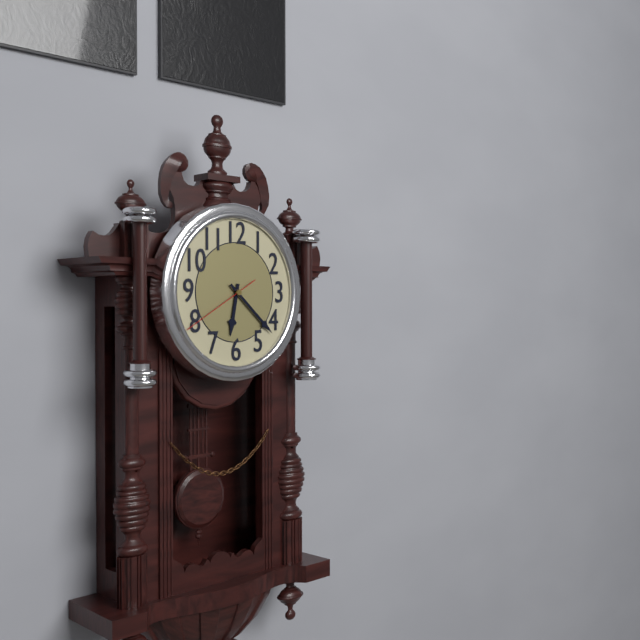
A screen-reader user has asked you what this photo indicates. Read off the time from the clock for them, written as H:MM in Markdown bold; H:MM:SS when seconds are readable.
**6:22:40**
